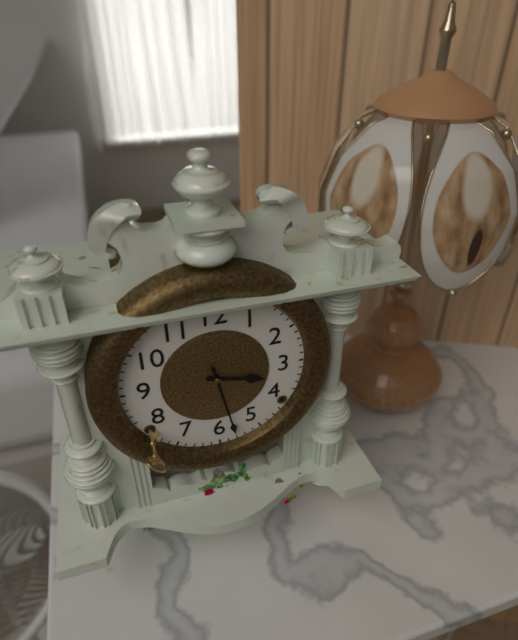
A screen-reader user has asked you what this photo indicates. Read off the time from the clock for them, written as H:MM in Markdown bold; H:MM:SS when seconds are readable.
**3:28**
